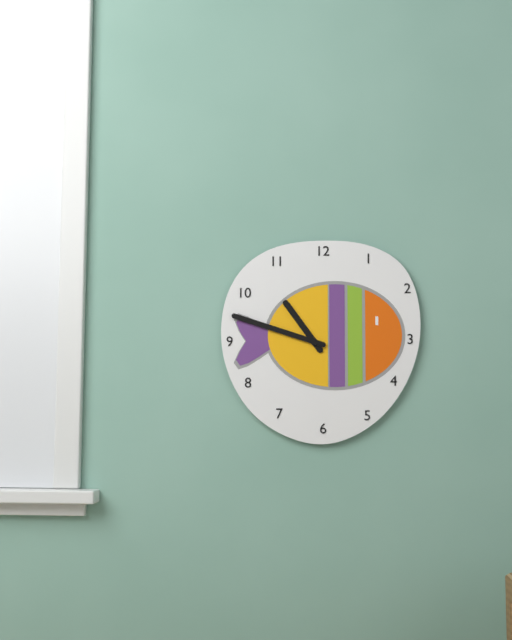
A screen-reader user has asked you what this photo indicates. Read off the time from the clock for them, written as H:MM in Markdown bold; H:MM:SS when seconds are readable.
**10:48**
